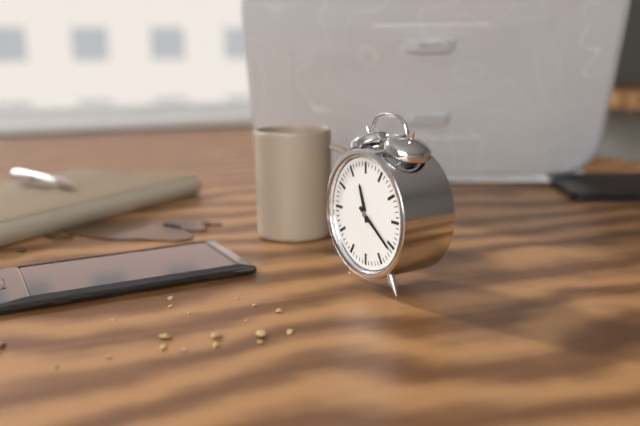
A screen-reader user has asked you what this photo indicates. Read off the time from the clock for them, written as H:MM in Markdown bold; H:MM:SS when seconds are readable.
**11:21**
